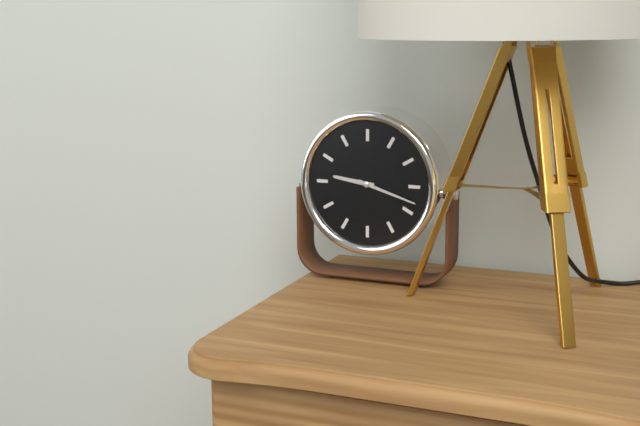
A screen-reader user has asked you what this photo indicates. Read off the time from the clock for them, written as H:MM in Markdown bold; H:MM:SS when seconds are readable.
**9:18**
